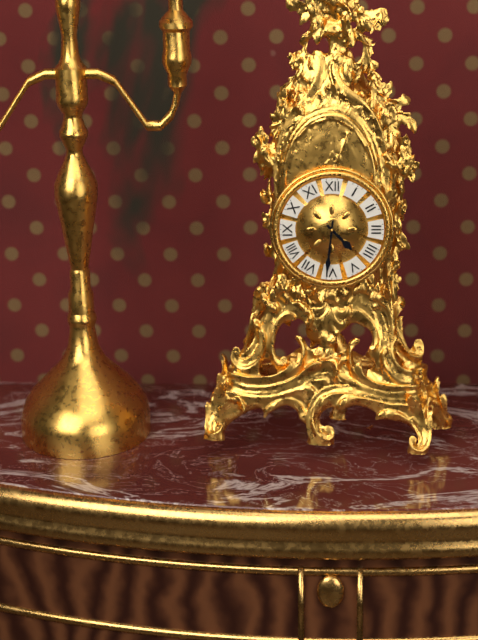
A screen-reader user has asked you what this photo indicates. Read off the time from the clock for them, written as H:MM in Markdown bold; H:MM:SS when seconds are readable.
**4:31**
